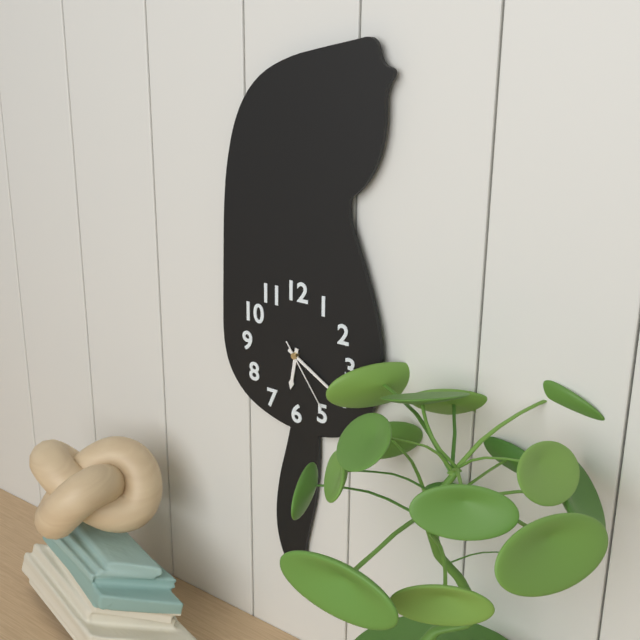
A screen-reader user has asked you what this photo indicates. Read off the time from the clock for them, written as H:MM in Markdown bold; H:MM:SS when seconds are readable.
**6:20:24**
